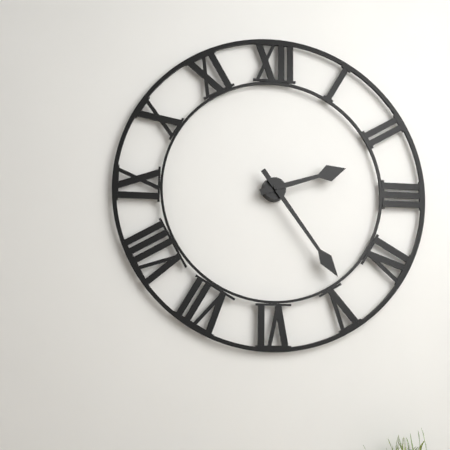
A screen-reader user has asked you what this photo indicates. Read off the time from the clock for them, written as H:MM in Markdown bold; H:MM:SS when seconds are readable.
**2:24**
